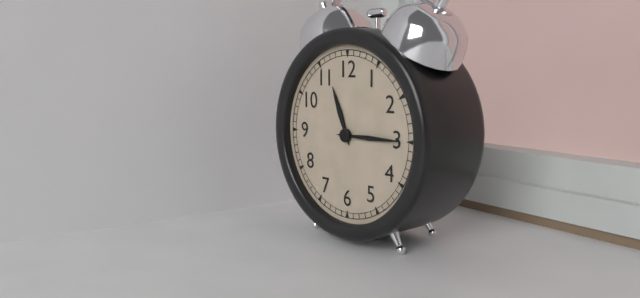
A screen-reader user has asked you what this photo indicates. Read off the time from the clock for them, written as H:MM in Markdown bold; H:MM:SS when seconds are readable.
**11:15**
